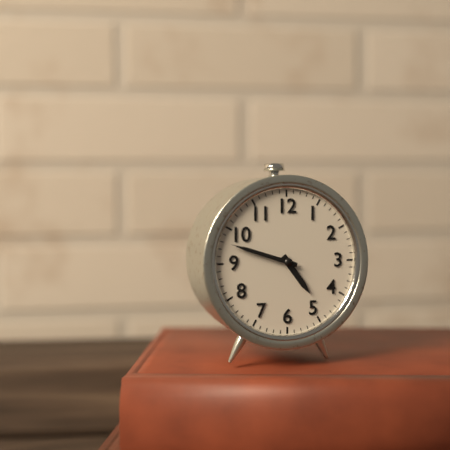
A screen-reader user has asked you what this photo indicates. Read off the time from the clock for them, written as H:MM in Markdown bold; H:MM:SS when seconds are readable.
**4:48**
